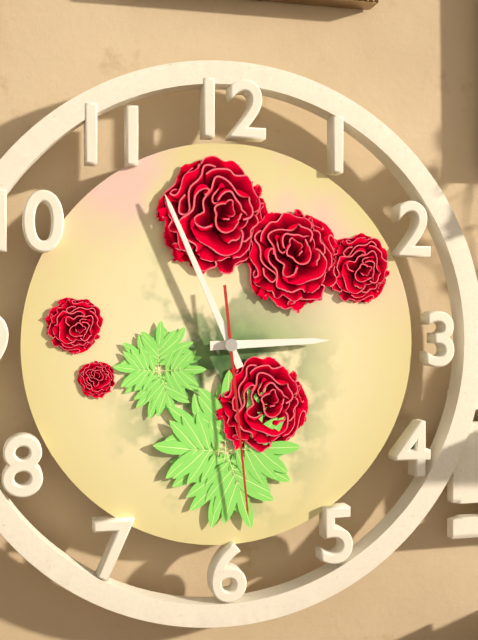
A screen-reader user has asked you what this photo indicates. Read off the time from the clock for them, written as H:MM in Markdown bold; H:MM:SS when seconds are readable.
**2:56:29**
